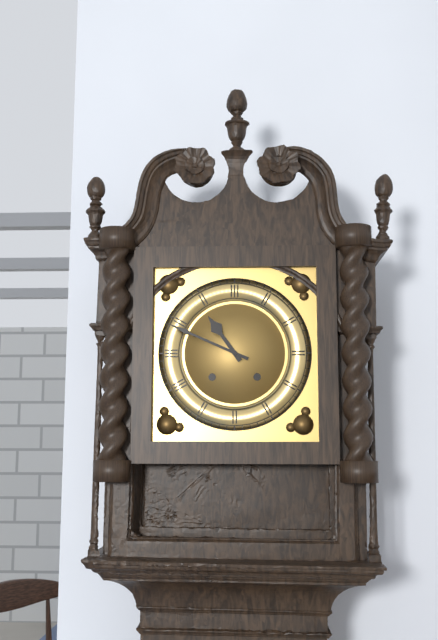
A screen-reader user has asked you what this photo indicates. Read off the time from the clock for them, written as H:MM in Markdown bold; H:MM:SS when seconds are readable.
**10:49**
